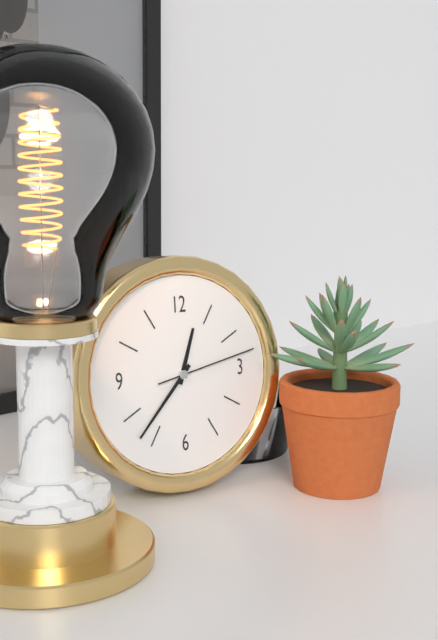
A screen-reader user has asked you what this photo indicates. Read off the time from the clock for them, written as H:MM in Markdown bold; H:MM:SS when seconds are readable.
**12:37:13**
